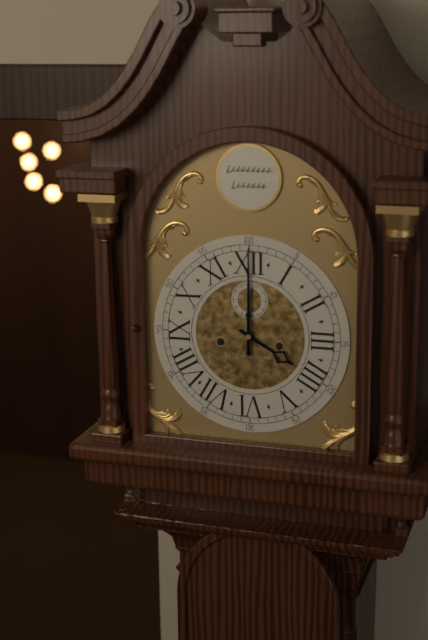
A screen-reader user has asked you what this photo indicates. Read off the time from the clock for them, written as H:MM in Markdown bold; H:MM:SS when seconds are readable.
**4:00**
